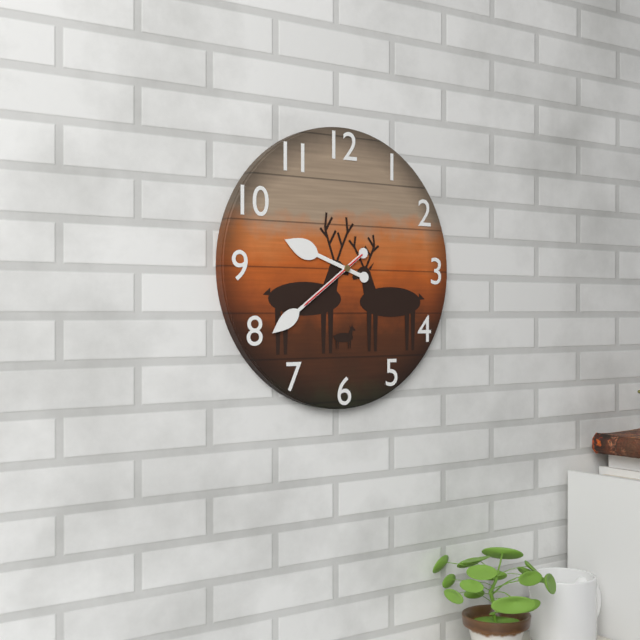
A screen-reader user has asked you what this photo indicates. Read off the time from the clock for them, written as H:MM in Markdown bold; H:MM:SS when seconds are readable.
**9:39:39**
